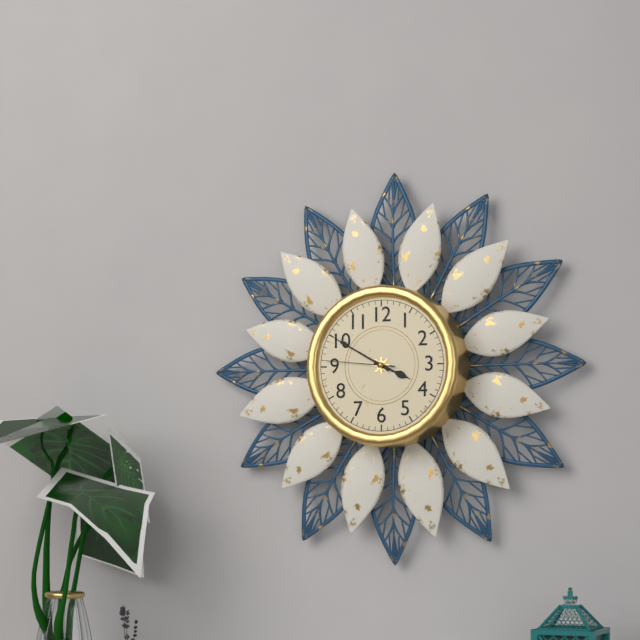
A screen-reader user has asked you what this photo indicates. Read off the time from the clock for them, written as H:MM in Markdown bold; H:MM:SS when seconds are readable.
**3:50:46**
